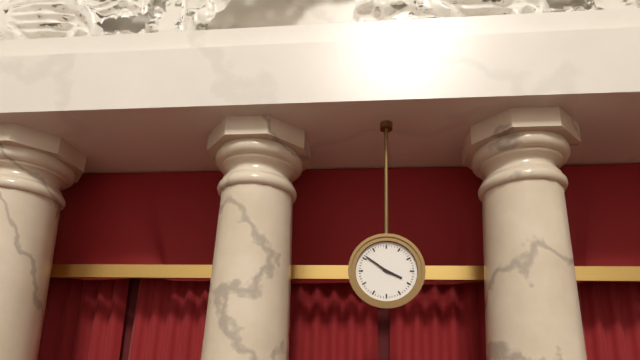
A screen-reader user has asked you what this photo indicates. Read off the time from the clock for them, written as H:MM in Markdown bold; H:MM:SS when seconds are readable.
**3:51**
